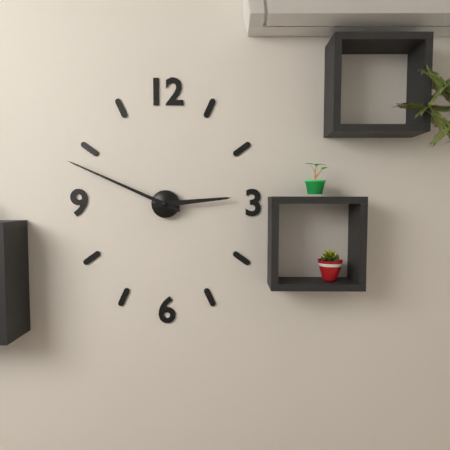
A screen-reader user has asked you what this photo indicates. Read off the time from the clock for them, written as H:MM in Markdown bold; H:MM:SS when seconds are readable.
**2:49**
